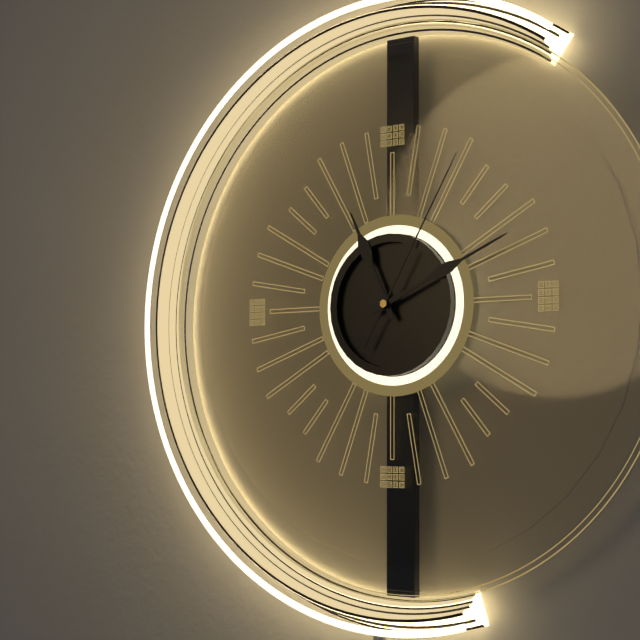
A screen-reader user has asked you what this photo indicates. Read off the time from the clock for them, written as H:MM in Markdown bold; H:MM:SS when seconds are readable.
**11:11:05**
